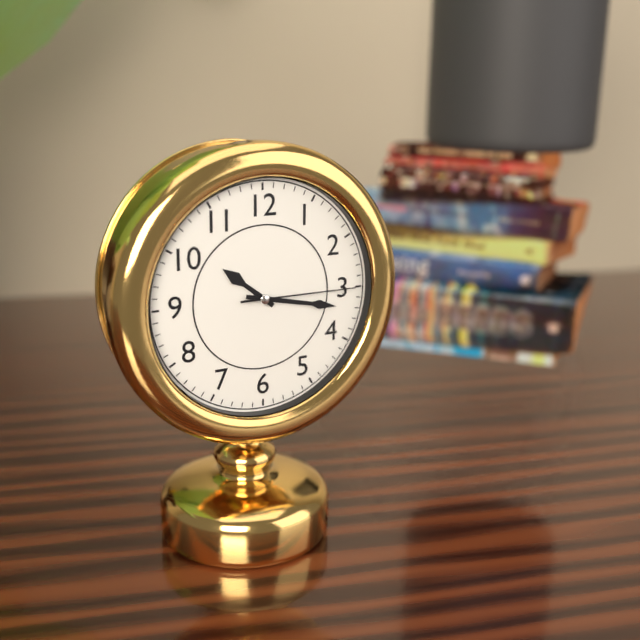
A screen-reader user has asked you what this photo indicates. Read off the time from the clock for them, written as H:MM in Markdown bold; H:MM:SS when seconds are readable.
**10:17:15**
